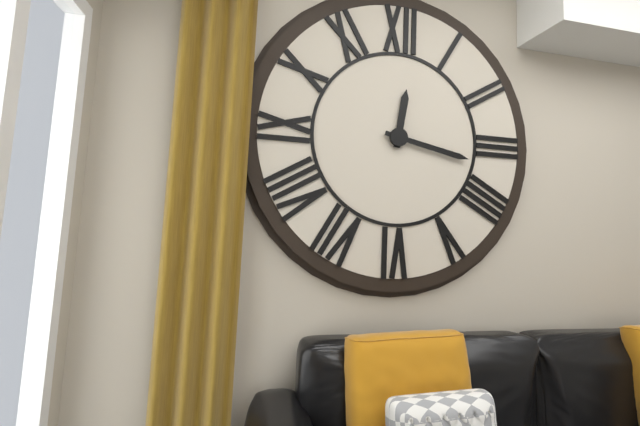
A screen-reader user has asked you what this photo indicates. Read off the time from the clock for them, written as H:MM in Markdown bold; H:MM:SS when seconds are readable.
**12:17**
